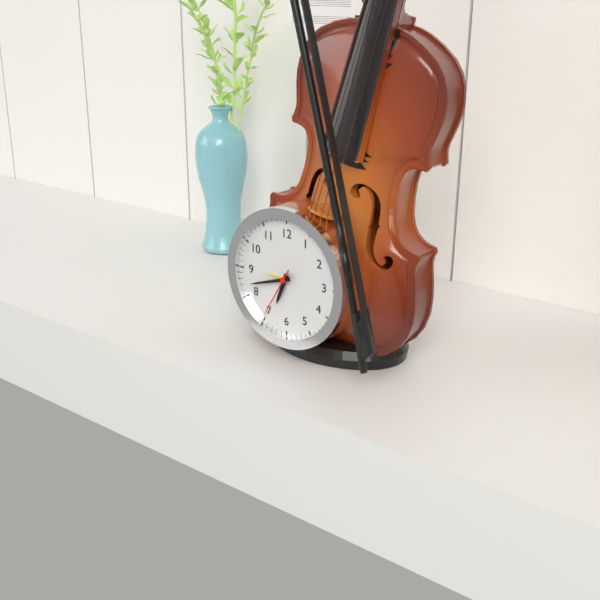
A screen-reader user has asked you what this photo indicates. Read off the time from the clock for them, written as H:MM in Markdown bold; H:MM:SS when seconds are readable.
**6:42:35**
